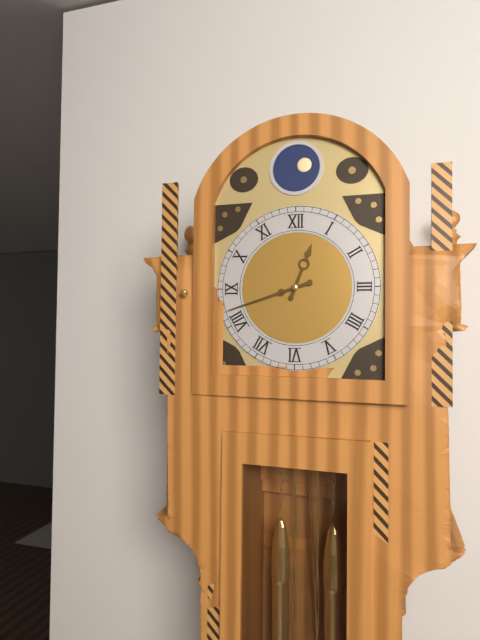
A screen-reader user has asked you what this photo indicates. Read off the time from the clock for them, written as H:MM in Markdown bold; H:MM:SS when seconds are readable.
**12:42**
